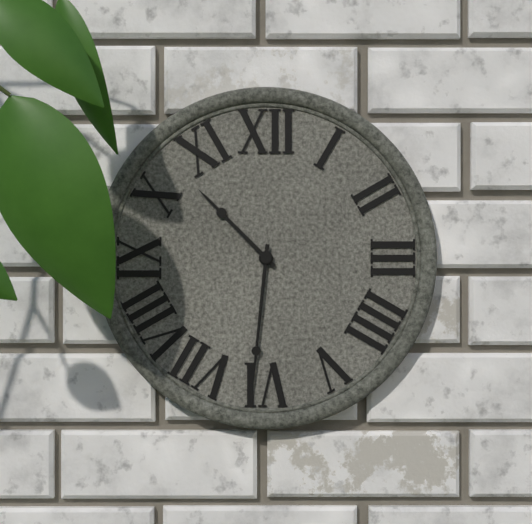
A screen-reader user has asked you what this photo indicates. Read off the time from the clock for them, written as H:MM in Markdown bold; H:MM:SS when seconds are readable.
**10:31**
